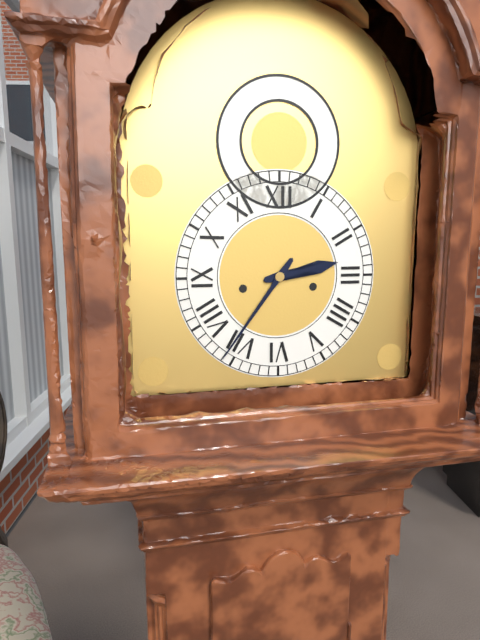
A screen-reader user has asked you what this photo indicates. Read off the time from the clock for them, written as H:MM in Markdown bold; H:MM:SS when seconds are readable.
**2:36**
